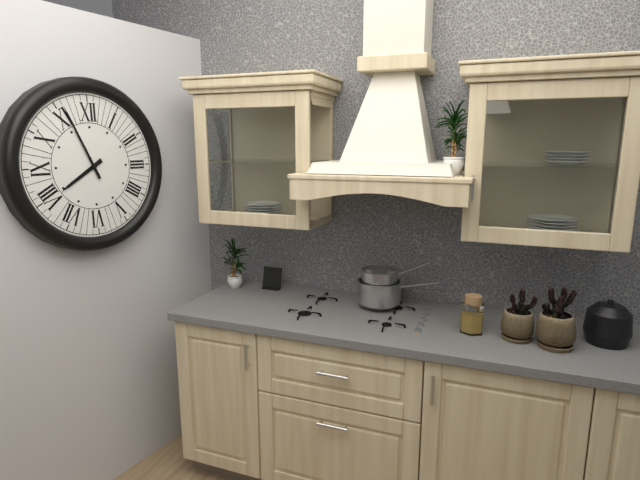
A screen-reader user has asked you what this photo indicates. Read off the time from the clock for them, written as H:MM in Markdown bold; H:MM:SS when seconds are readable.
**7:56**
